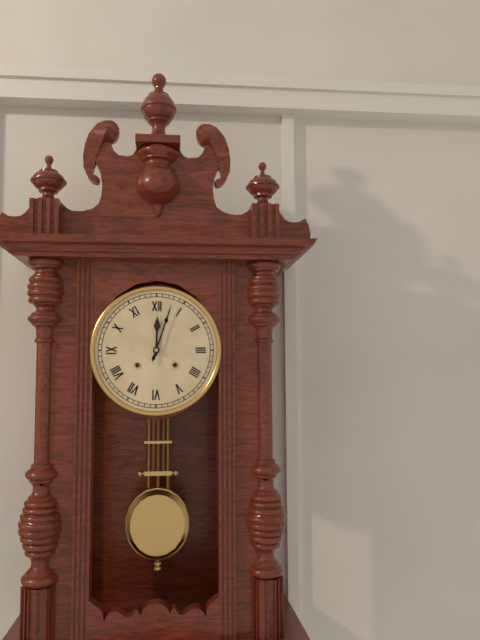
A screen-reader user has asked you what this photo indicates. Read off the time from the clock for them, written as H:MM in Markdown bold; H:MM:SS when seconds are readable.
**12:03**
